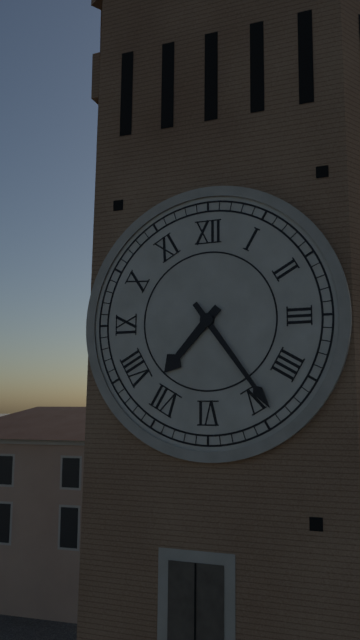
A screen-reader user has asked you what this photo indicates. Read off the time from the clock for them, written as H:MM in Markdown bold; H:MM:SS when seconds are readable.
**7:24**
